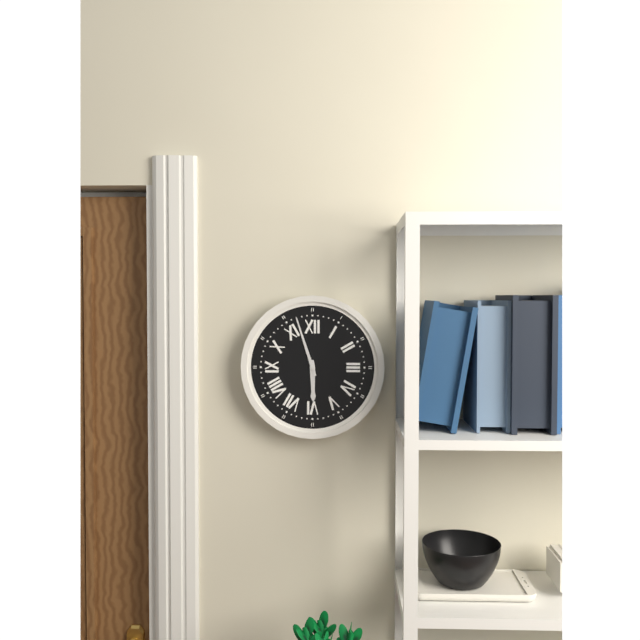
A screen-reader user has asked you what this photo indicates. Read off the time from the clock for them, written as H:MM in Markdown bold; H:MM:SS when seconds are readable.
**5:57**
